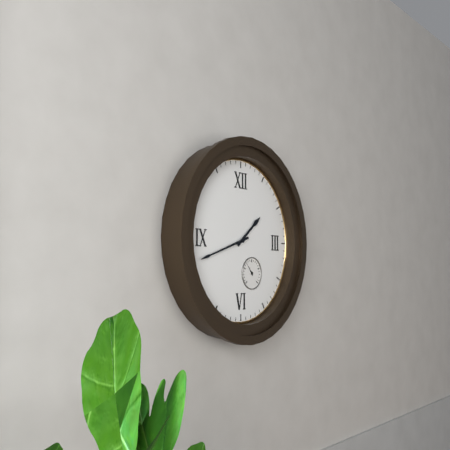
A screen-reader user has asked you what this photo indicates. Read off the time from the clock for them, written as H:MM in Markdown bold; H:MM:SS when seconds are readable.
**1:42**
